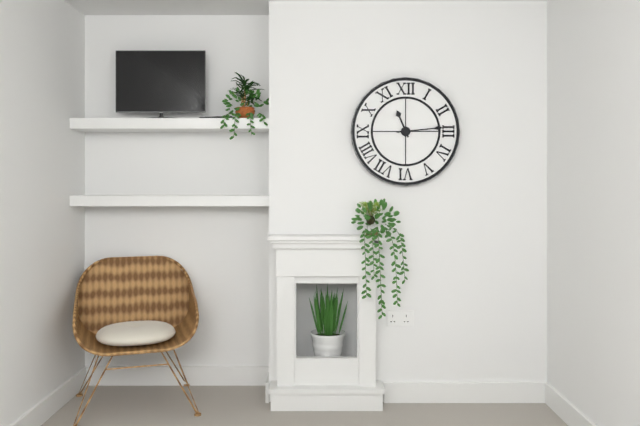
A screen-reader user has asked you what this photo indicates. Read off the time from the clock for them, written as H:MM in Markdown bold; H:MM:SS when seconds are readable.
**11:14**
